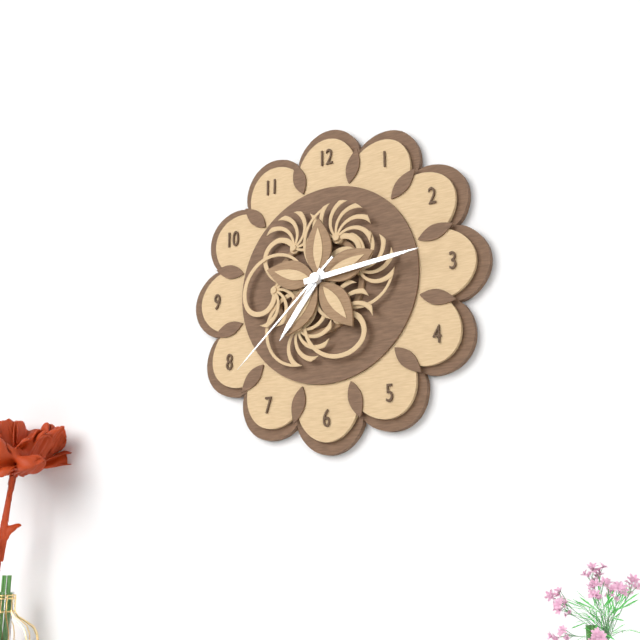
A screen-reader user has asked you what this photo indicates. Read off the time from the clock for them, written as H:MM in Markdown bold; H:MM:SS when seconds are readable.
**7:14:38**
